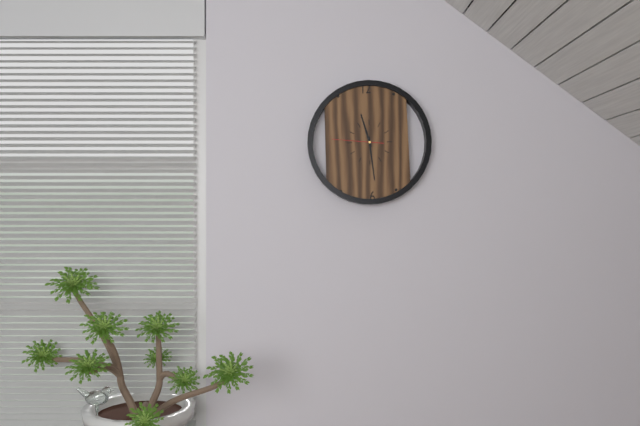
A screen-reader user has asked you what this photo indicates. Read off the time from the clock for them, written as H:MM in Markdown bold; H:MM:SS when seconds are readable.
**11:29**
